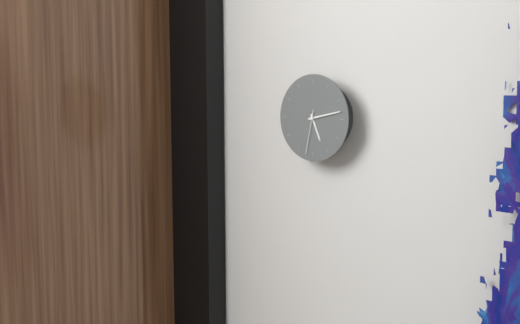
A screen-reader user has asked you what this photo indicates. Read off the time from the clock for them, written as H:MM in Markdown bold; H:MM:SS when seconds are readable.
**5:13**
